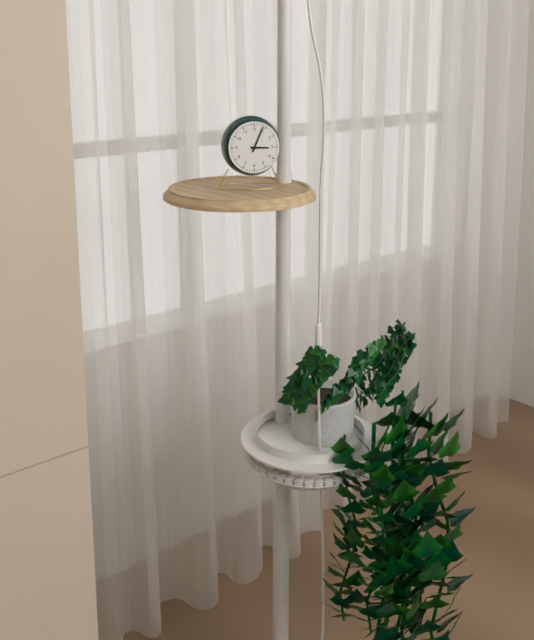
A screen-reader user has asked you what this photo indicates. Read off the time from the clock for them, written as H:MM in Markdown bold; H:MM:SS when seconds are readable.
**3:04**
